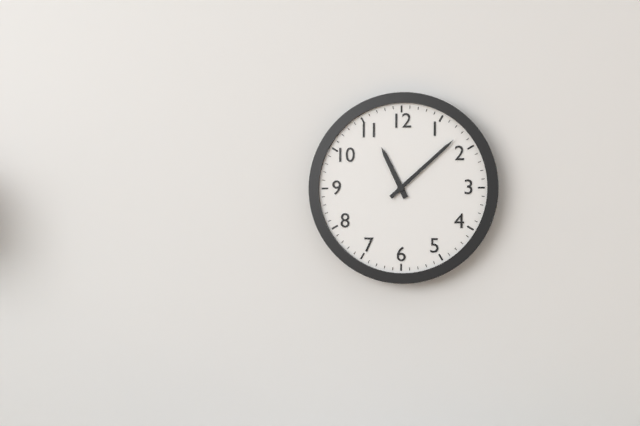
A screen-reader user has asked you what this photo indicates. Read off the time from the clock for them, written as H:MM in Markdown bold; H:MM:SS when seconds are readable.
**11:08**
